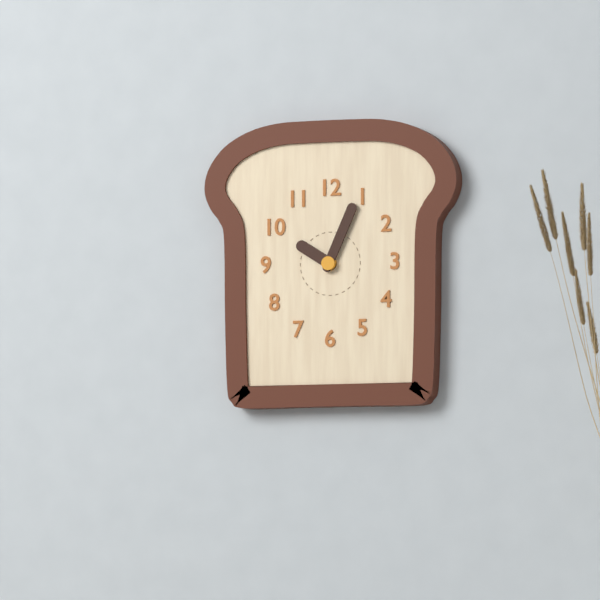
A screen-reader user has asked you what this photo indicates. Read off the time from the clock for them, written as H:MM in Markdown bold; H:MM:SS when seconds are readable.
**10:04**
